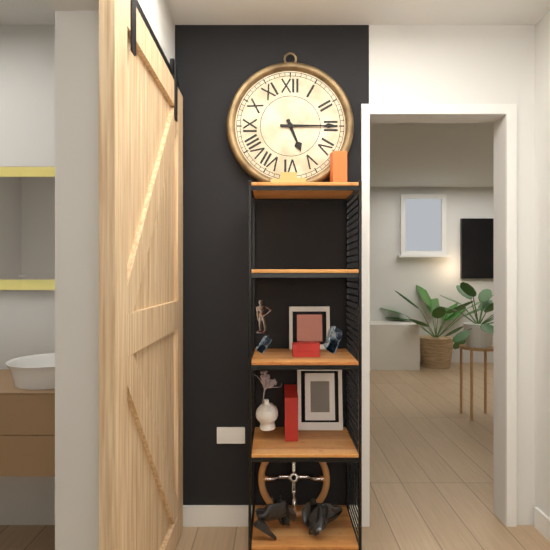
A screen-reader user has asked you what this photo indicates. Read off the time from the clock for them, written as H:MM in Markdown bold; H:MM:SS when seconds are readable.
**5:15**
